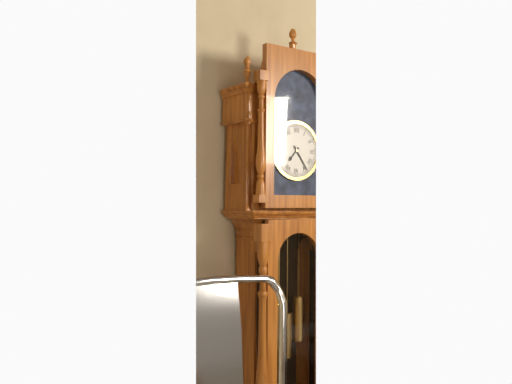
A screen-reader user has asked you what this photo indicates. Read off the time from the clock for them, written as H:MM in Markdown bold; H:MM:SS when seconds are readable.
**7:24**
